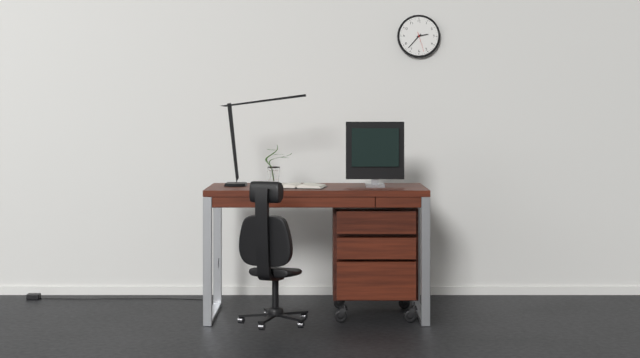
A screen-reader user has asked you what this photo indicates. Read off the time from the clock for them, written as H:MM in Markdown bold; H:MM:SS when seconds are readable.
**2:37**
